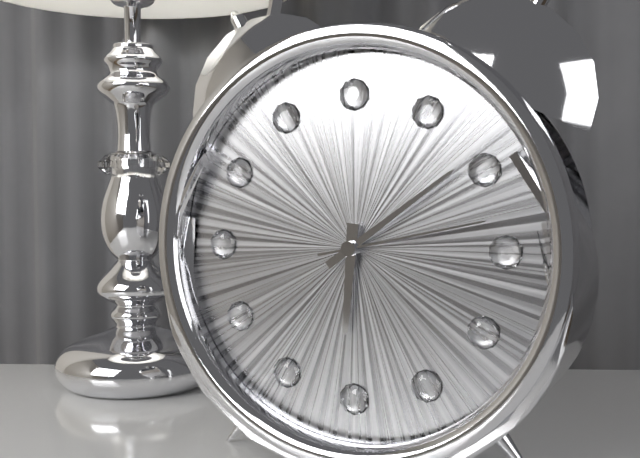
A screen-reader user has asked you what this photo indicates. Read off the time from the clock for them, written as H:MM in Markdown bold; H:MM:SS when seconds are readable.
**6:09:13**
